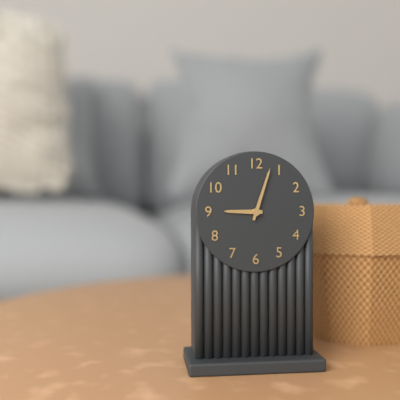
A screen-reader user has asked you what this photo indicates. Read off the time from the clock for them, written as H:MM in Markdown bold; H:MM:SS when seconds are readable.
**9:03**
